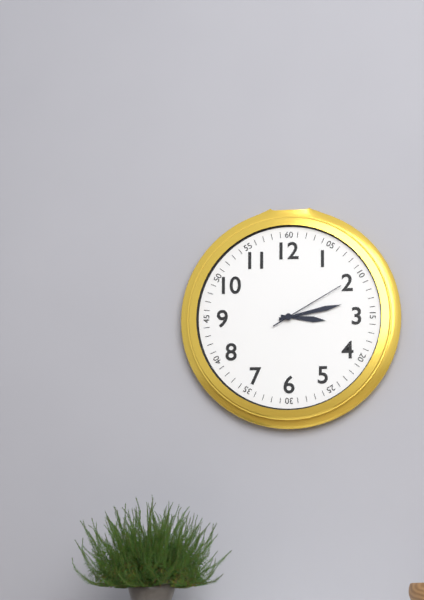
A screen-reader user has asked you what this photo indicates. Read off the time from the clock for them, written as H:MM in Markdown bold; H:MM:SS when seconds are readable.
**3:13:10**
